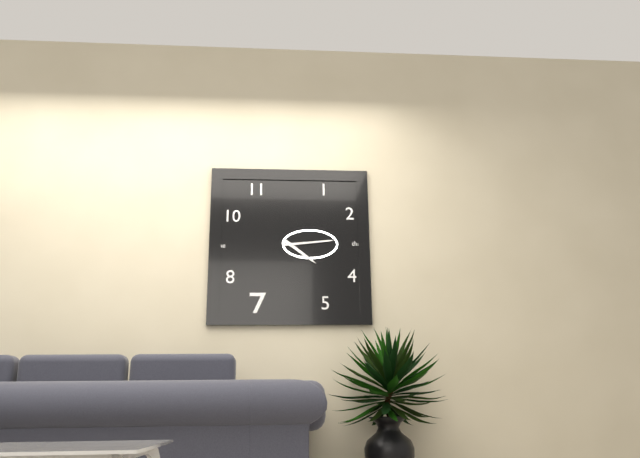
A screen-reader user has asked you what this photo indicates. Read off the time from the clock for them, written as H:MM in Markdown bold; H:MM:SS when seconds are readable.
**4:14**
